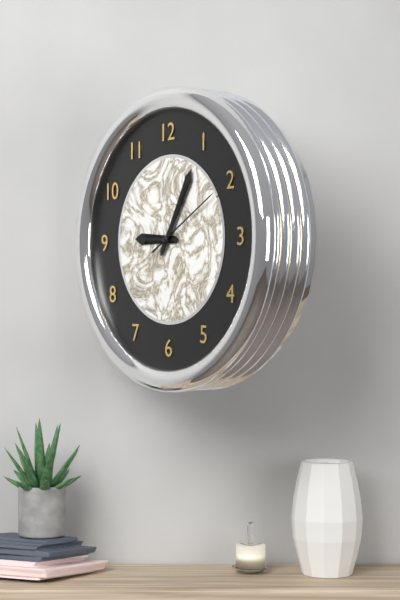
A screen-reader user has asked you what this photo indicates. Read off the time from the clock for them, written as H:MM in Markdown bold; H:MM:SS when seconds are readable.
**9:05:10**
